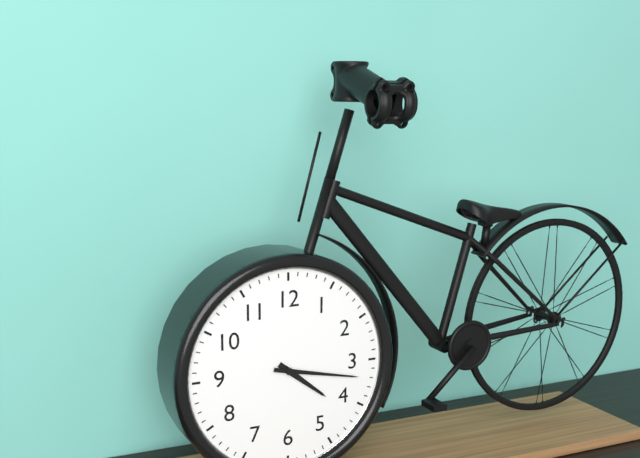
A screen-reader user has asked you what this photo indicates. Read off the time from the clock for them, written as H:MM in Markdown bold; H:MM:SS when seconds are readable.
**4:17**
